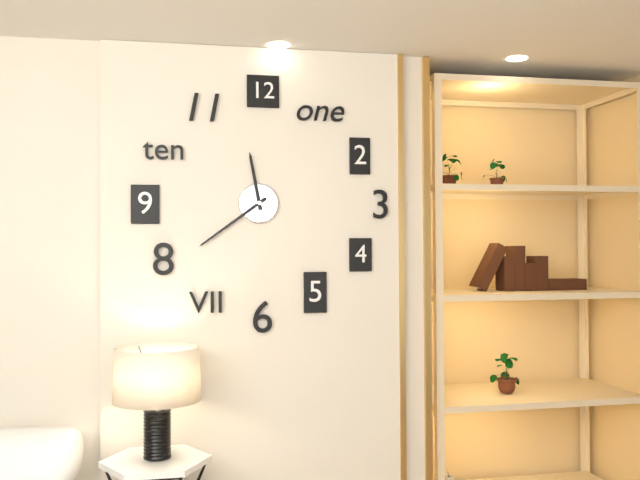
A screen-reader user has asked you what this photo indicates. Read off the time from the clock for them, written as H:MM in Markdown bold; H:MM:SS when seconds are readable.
**11:39**
